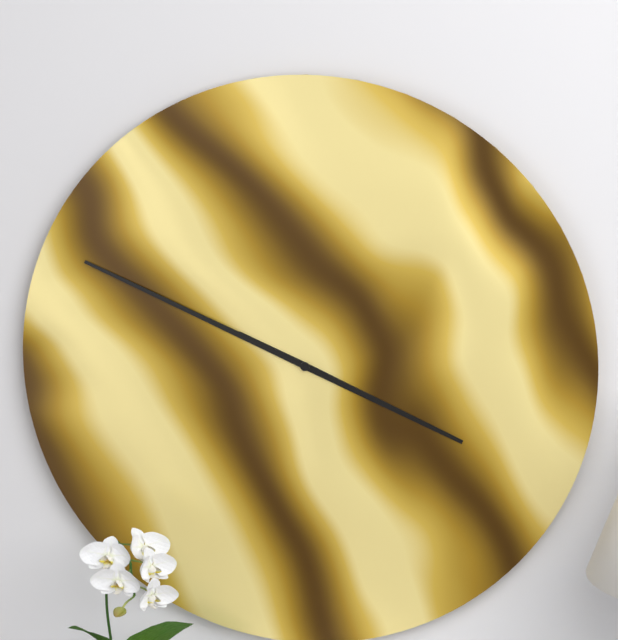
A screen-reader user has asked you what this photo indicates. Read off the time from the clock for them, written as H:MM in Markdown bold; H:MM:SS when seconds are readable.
**3:49**
